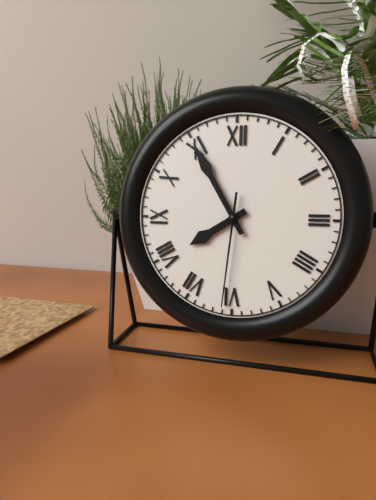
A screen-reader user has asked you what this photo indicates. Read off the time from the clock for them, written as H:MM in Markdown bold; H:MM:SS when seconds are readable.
**7:55:31**
